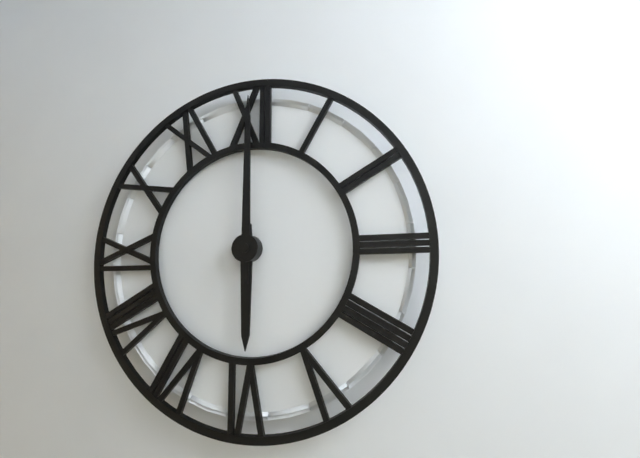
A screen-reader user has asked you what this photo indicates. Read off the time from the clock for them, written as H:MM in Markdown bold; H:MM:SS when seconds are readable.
**6:00**
